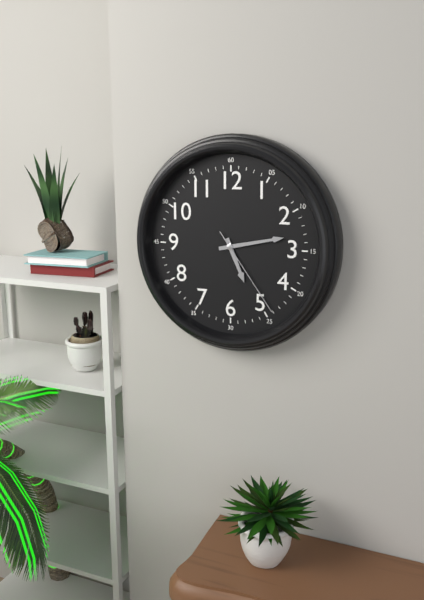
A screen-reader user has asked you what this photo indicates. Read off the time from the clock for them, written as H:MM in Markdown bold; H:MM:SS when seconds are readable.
**5:13:24**
